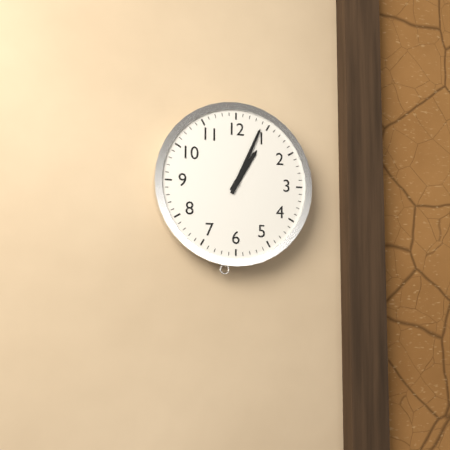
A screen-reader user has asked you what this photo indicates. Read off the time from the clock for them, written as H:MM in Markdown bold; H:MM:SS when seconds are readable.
**1:04**
